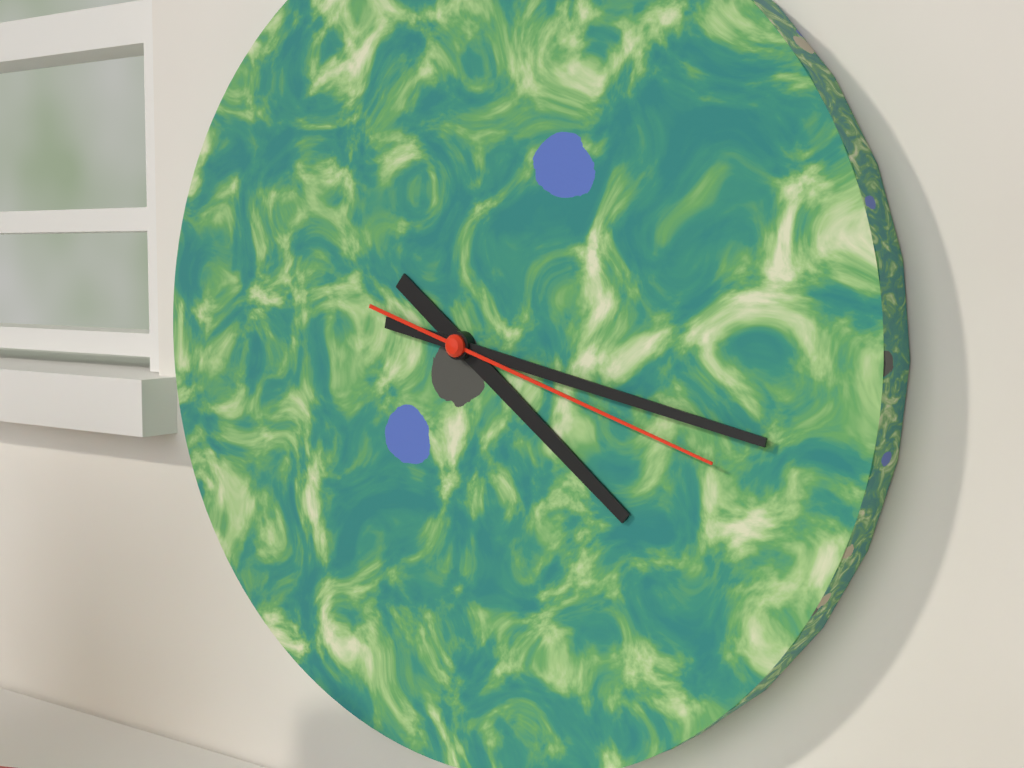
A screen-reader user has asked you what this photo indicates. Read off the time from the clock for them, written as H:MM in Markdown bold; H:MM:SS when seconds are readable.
**4:17:18**
